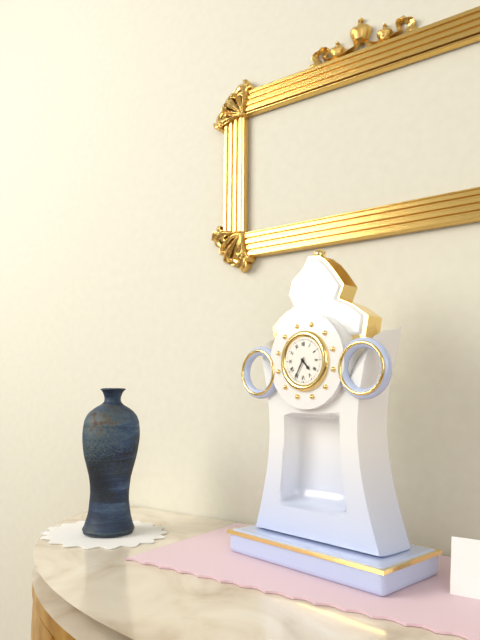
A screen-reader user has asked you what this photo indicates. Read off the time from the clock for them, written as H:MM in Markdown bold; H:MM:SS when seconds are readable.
**4:35**
